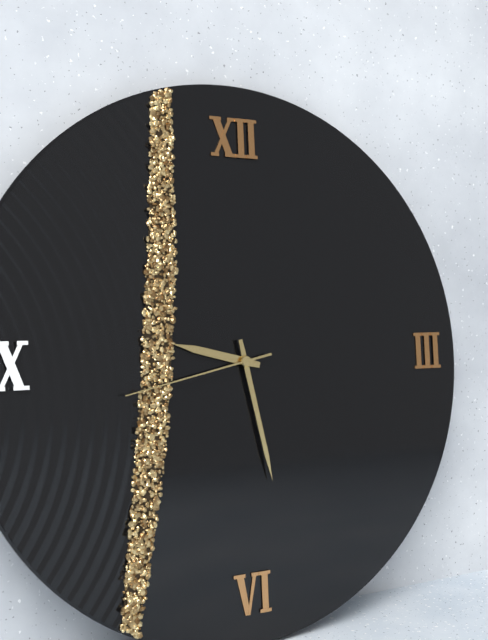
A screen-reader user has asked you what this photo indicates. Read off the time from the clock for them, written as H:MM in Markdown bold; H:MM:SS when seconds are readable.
**9:28:43**
